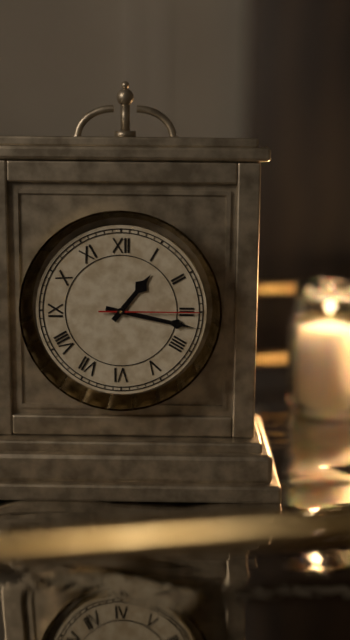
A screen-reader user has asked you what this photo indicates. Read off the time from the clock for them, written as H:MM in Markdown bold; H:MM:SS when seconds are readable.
**1:17:15**
